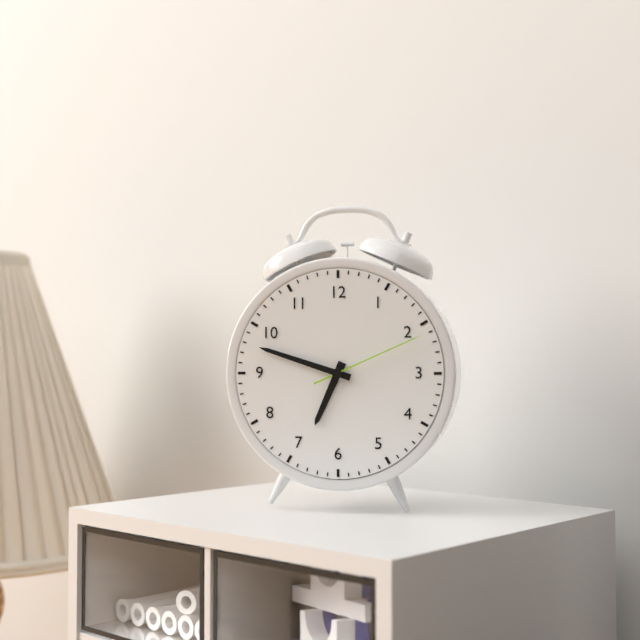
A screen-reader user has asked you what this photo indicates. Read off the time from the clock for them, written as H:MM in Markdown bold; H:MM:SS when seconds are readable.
**6:48:11**
